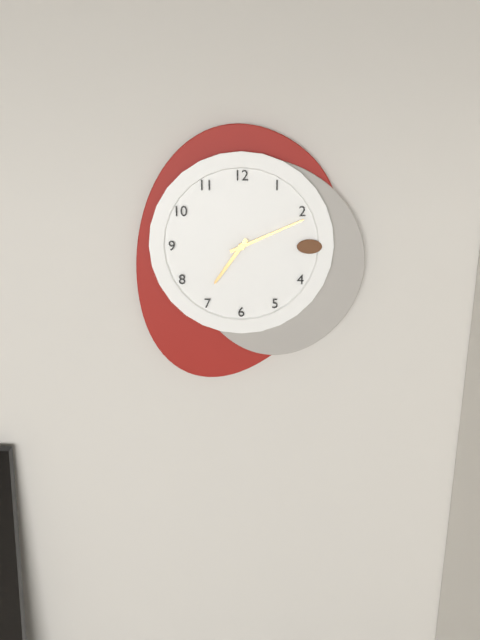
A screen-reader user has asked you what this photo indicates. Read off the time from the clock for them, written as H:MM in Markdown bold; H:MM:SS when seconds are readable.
**7:11**
